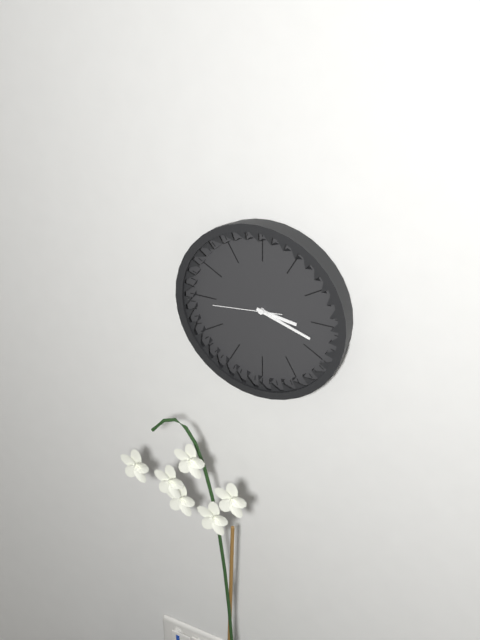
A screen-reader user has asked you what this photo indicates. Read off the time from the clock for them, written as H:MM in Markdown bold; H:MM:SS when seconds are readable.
**3:18:44**
